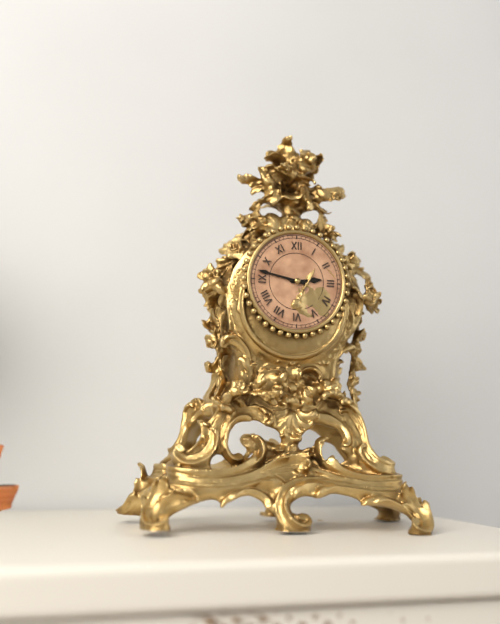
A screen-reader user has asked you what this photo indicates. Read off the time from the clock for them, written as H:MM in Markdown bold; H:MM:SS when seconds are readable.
**2:47**
